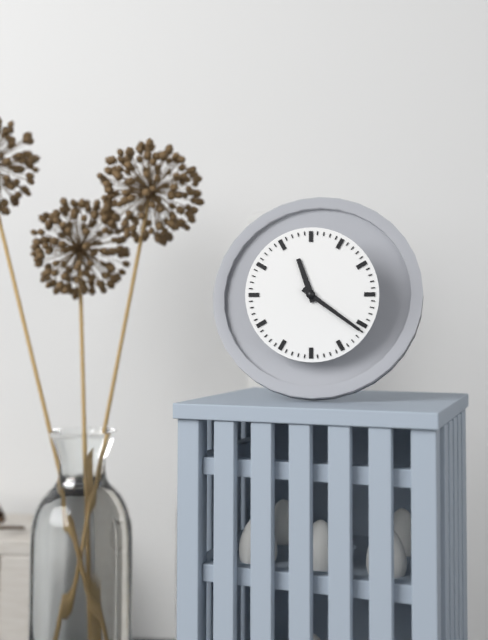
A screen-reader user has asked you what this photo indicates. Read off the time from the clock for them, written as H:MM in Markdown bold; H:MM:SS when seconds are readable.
**11:21**
